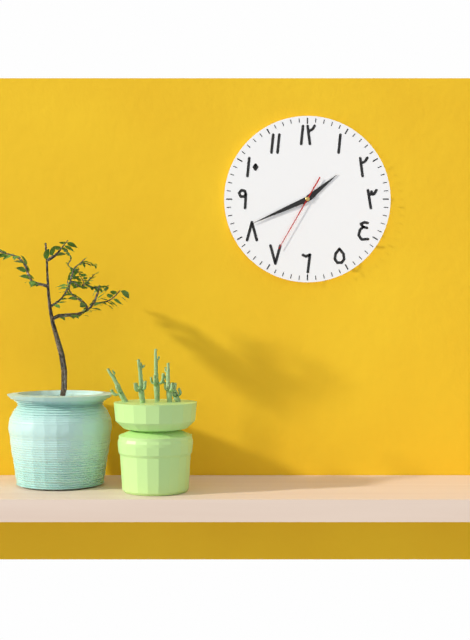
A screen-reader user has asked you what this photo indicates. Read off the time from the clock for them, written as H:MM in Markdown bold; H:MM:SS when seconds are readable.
**1:41:35**
